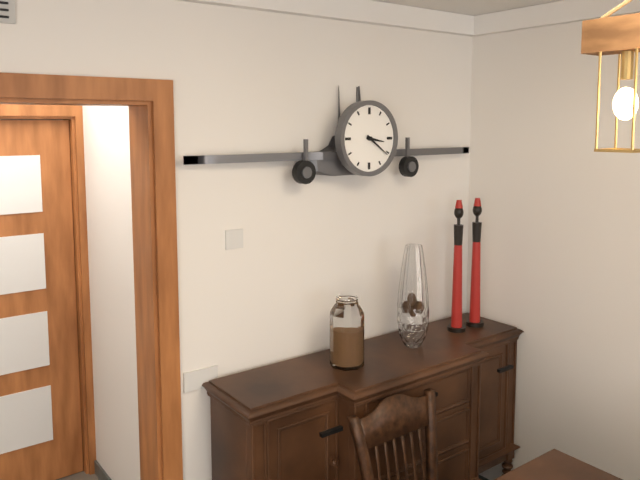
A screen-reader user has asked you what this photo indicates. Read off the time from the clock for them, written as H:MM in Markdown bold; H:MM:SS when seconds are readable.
**3:21**
